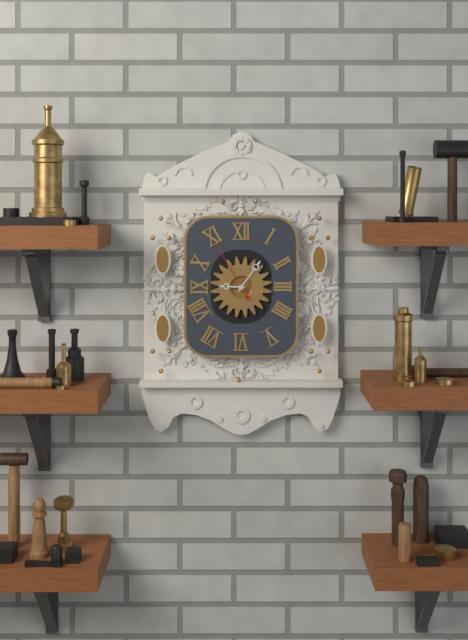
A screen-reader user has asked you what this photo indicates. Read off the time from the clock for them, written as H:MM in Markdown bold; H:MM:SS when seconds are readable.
**9:06:55**
